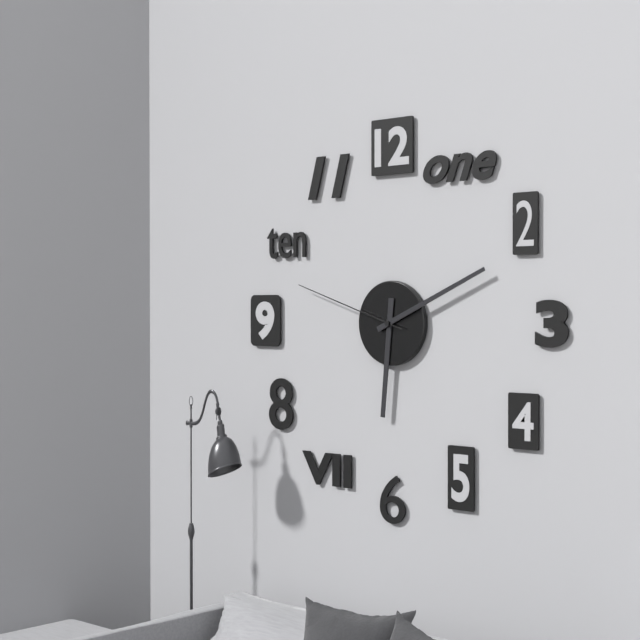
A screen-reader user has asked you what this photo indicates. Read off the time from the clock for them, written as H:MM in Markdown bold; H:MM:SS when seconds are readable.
**6:11:48**
